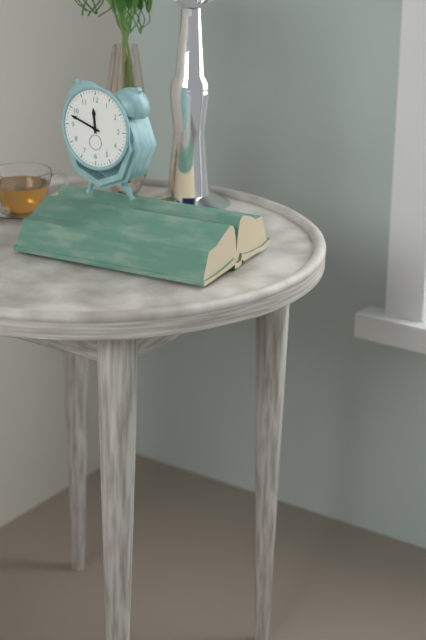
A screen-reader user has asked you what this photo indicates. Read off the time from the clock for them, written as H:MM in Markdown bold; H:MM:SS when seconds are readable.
**11:48**
